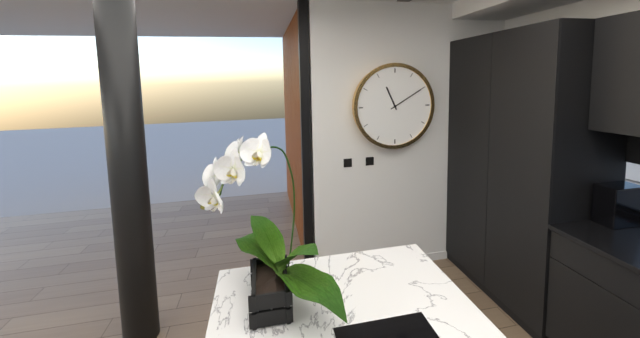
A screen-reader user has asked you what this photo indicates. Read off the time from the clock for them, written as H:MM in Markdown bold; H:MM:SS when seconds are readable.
**11:10**
